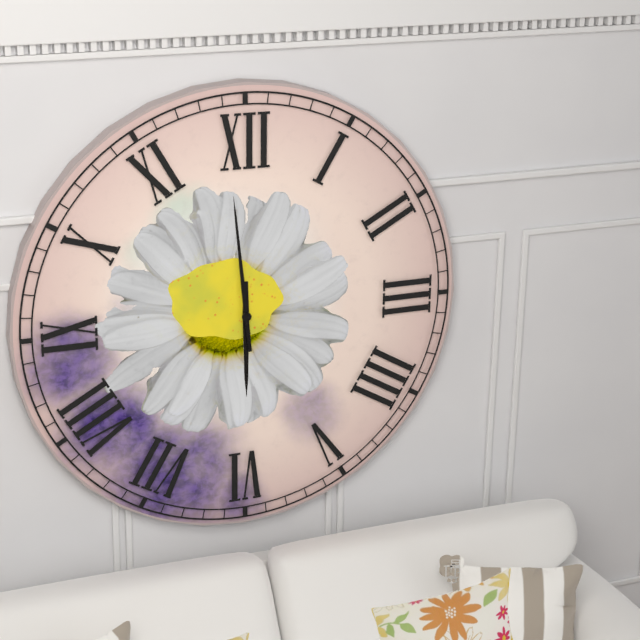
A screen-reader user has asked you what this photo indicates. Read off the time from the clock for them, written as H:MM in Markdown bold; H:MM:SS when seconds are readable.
**5:59**
